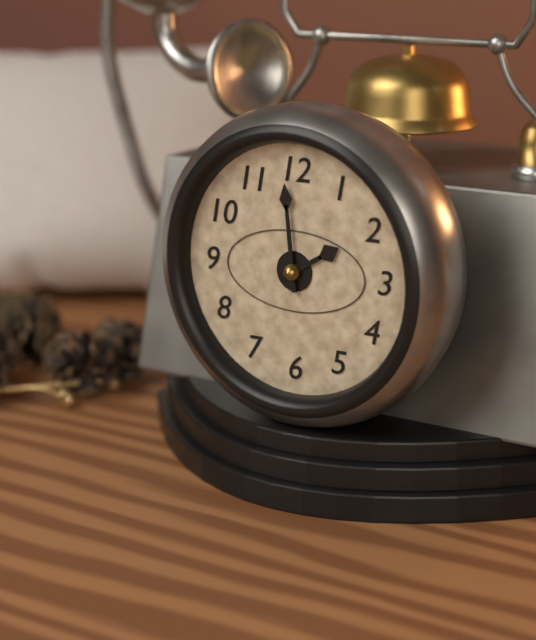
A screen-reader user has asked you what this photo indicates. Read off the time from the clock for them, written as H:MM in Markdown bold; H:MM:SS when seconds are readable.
**1:59**
